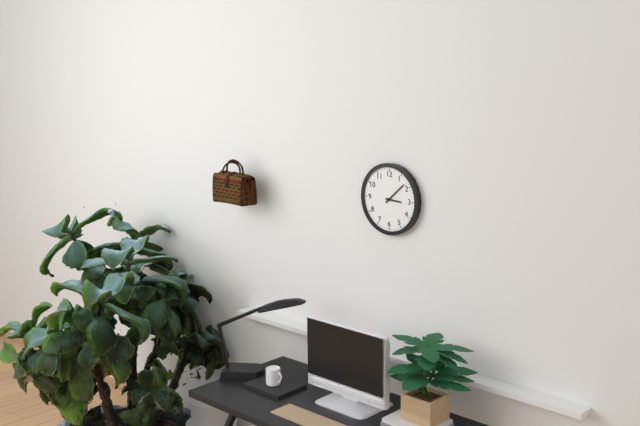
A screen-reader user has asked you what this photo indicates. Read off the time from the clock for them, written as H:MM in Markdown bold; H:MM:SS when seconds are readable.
**3:08**
